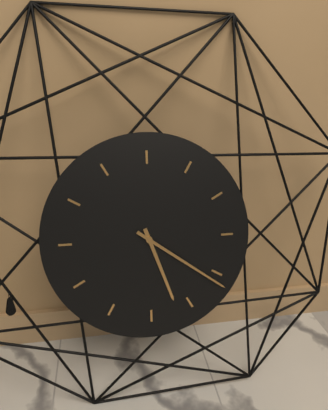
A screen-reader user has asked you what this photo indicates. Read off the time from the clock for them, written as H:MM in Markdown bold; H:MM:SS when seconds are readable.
**5:21**
